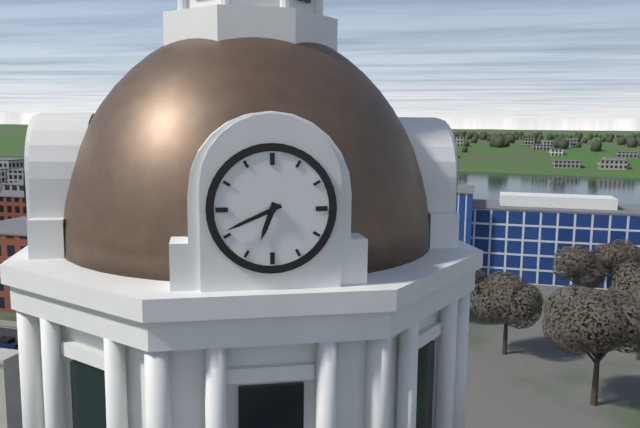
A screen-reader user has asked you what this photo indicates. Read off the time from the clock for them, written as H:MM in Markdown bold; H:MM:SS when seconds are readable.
**6:41**
